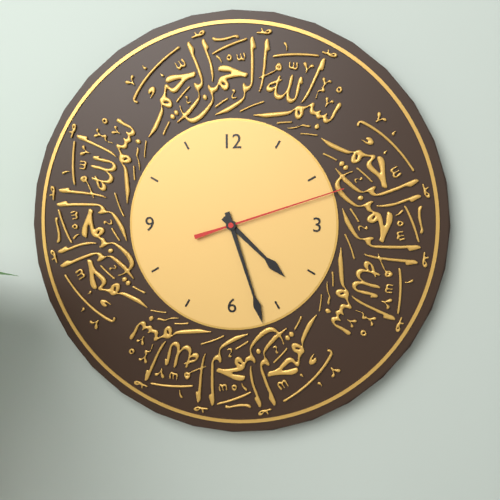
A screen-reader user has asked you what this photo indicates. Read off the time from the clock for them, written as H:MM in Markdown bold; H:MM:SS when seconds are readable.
**4:27:12**
